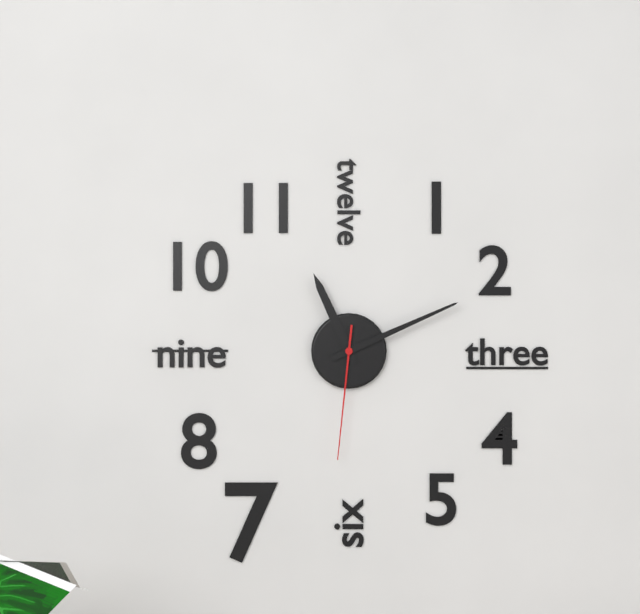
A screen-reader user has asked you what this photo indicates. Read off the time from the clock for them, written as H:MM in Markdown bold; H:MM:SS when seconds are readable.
**11:11:31**
